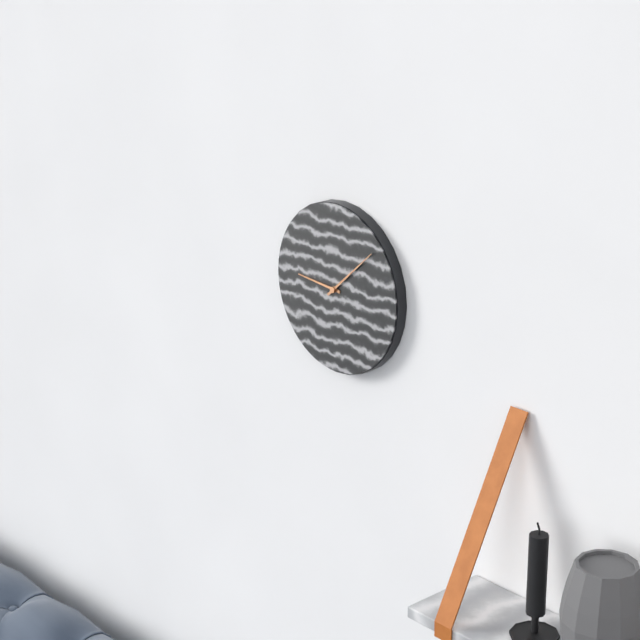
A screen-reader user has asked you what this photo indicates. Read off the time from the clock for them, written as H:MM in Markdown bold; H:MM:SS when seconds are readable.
**9:08**
